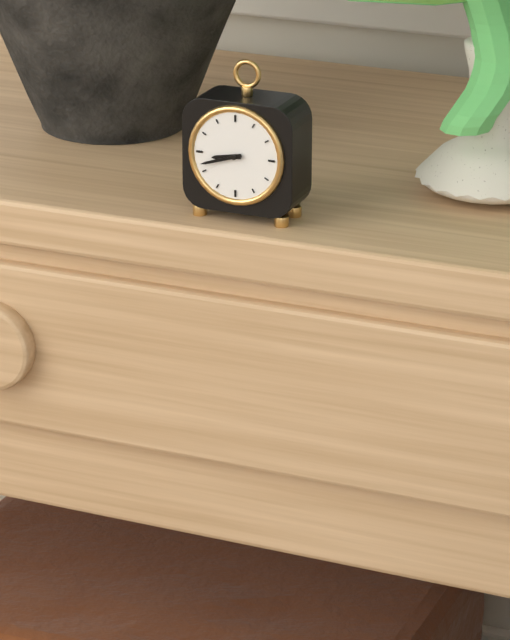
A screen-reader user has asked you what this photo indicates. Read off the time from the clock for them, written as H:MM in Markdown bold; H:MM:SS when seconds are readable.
**8:42**
